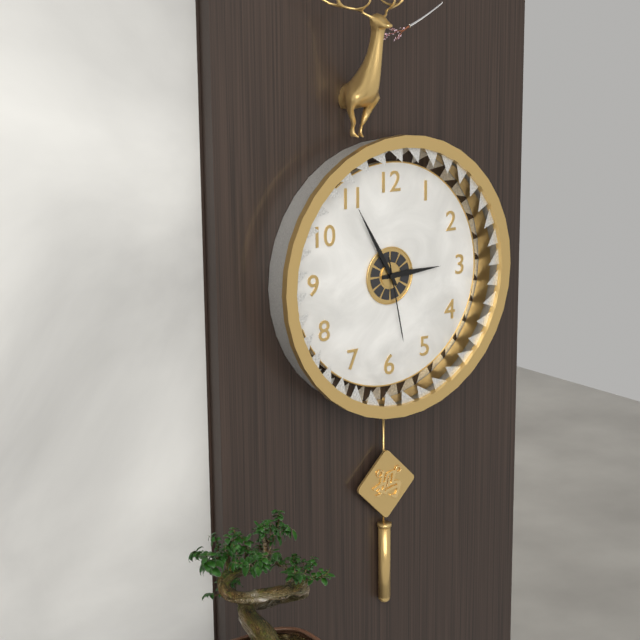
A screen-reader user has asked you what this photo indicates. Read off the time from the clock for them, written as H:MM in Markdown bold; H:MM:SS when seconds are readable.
**2:55:28**
